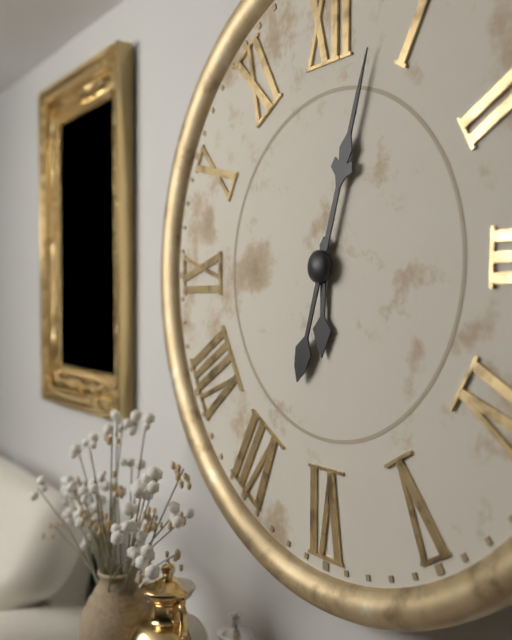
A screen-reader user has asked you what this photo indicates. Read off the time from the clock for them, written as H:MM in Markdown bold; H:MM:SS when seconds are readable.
**6:03**
